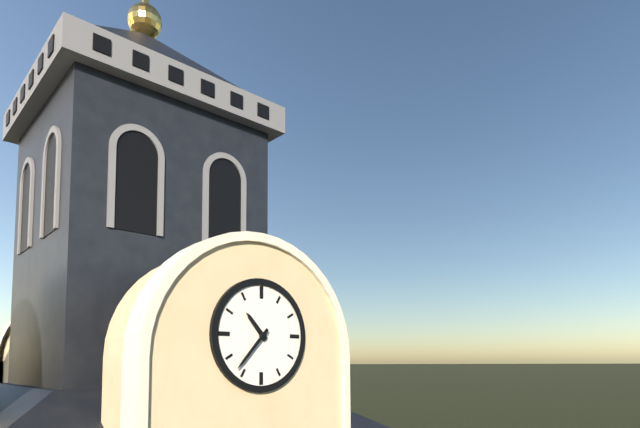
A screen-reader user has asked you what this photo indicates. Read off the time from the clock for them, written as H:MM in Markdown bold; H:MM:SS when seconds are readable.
**10:37**
